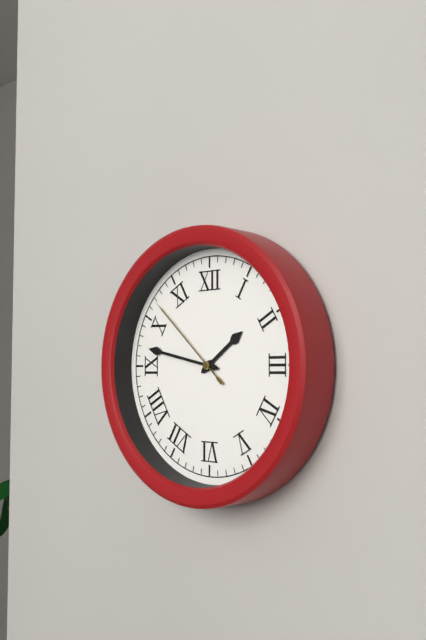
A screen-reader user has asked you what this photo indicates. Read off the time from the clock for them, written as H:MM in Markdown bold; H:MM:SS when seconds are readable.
**1:47:52**
